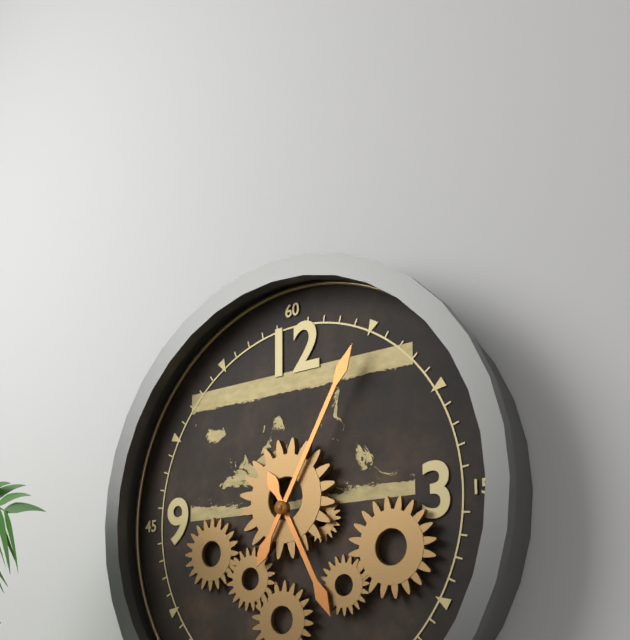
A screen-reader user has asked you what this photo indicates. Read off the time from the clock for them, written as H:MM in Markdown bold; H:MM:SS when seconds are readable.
**5:05**
